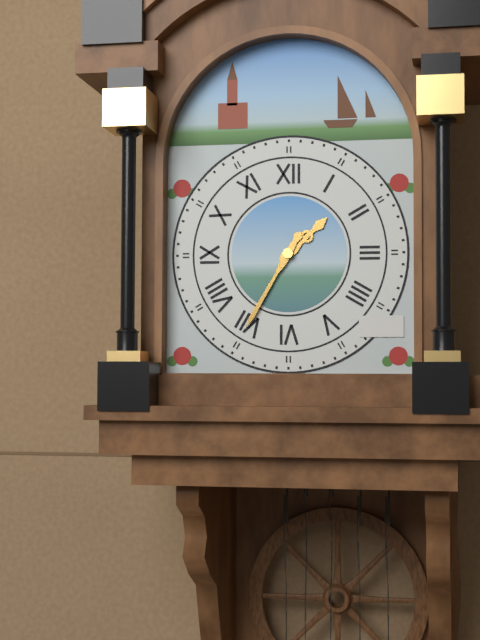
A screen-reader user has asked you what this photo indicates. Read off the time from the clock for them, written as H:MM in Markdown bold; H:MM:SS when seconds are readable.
**1:35**
